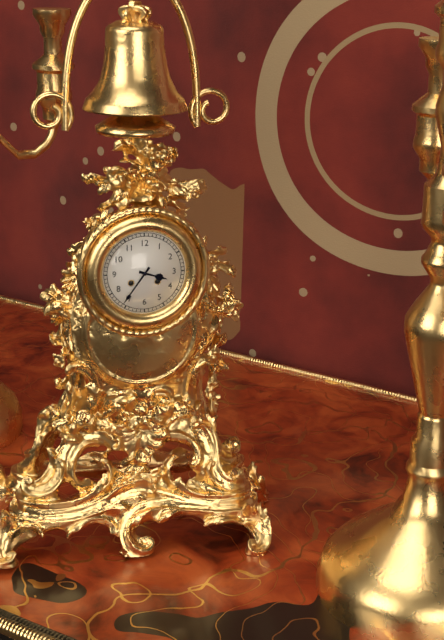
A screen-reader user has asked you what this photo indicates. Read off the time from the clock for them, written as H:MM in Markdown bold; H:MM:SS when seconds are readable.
**3:36**
